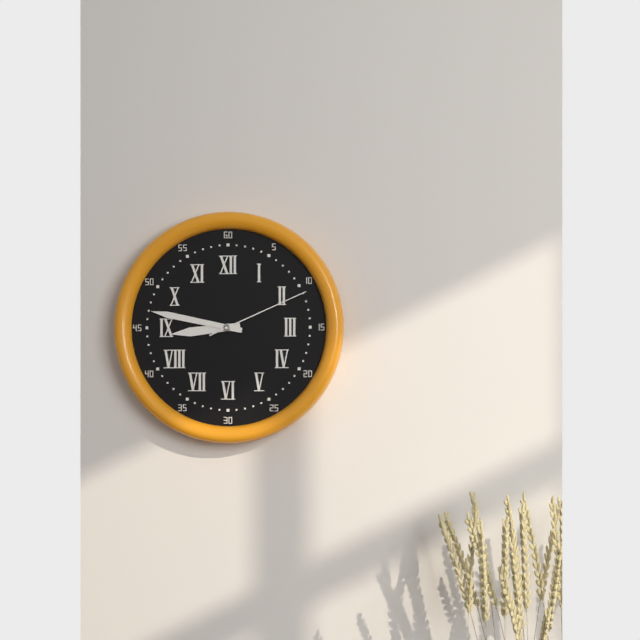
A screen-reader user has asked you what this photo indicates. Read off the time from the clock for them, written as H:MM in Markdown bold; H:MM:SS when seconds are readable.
**8:47:11**
